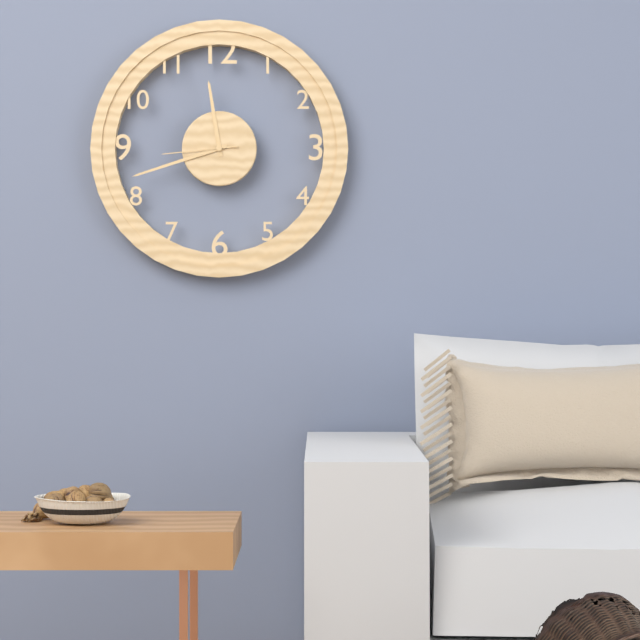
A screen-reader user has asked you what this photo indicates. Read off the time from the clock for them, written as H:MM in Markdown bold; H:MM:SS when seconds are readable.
**11:42:44**
